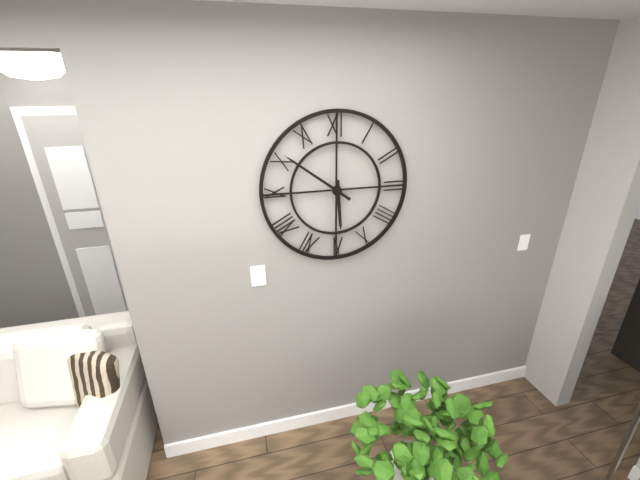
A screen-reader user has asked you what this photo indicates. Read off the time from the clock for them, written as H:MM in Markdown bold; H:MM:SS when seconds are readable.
**5:51**
